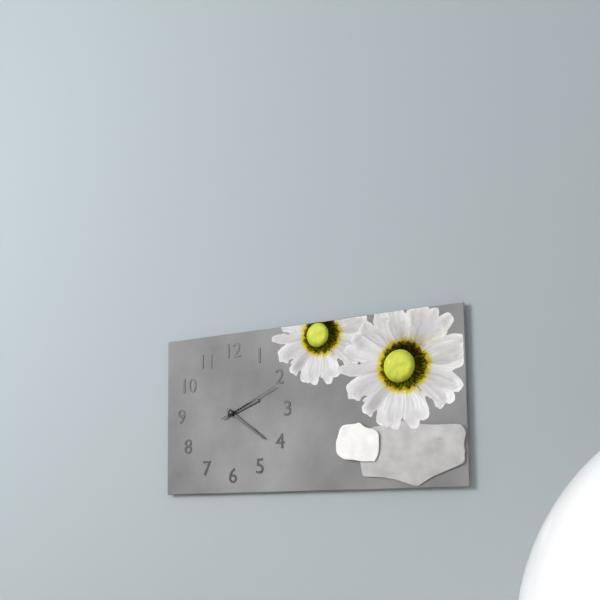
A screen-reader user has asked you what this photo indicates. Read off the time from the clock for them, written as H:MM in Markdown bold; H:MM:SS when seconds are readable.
**2:21:11**
